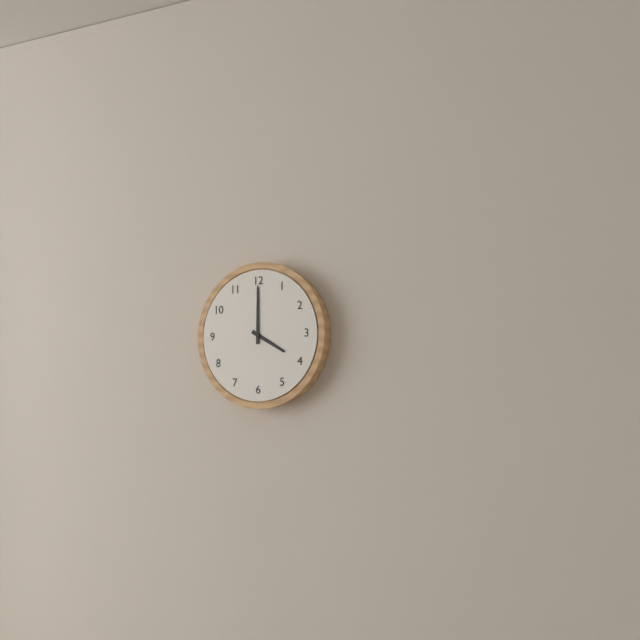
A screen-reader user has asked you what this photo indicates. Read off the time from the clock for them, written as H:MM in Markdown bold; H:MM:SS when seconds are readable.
**4:00**
